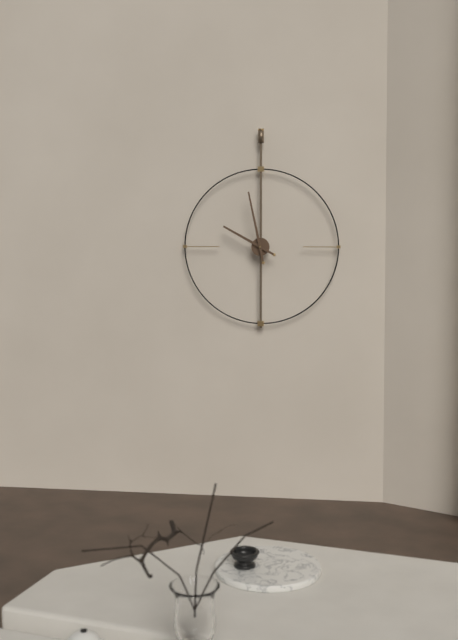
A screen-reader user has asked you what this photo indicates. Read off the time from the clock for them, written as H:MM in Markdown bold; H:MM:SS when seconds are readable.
**9:58**
